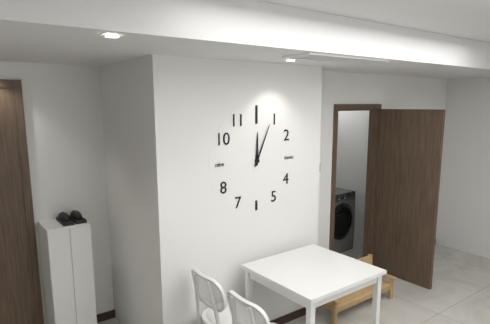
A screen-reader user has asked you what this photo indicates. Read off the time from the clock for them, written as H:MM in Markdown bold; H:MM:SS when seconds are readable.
**12:04**
